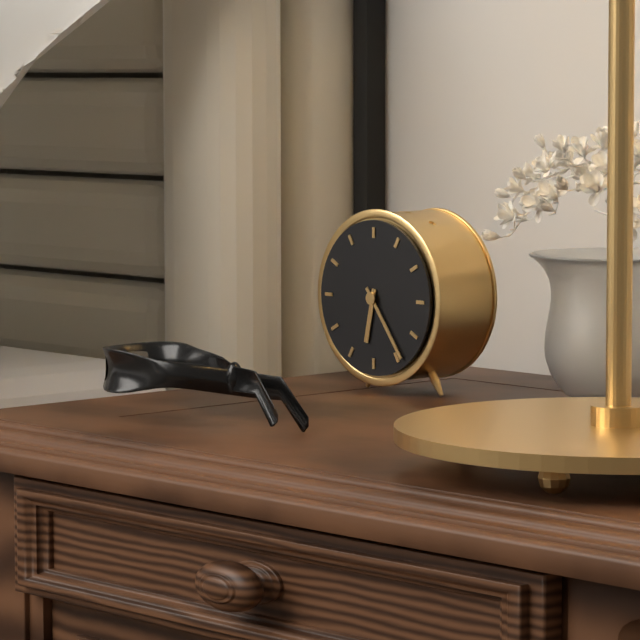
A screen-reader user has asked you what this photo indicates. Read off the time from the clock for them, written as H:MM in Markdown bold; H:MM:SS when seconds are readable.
**6:24**
